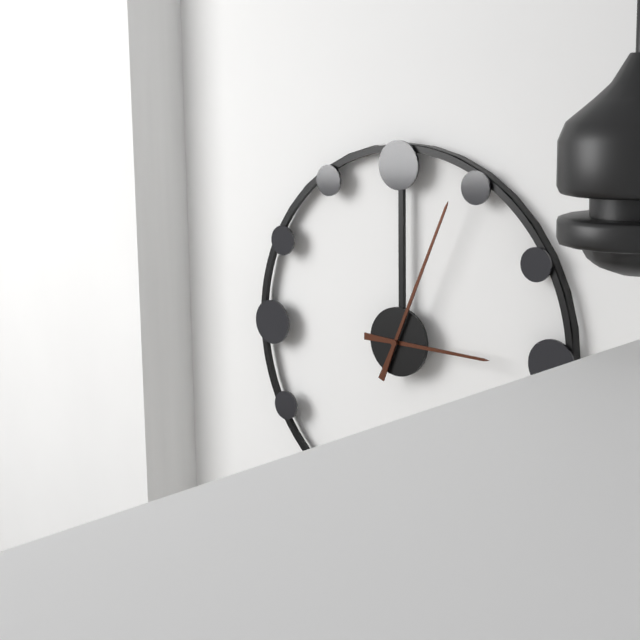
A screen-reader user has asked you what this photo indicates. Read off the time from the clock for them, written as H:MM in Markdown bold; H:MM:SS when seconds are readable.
**3:04**
